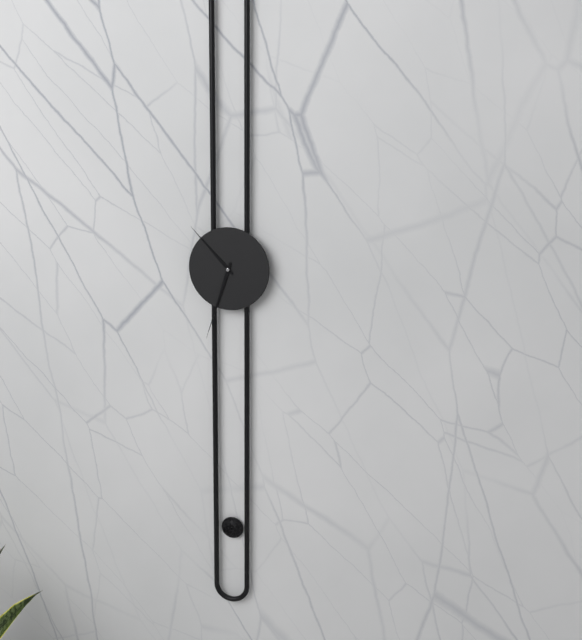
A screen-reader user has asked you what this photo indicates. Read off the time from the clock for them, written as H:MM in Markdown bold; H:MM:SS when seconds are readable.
**10:33**
